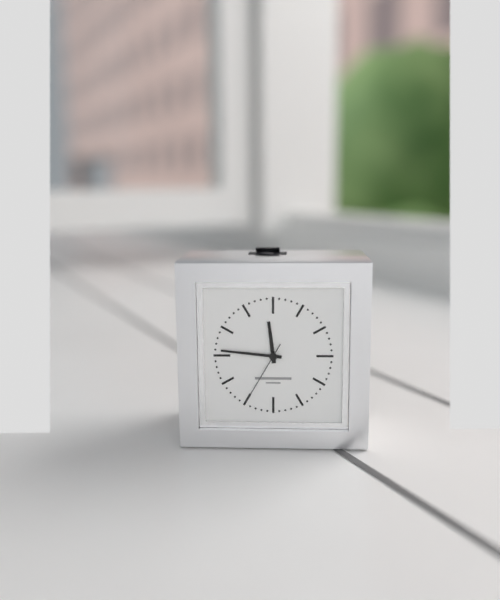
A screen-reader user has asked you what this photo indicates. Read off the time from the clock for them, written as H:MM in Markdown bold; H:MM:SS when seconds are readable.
**11:46:35**
